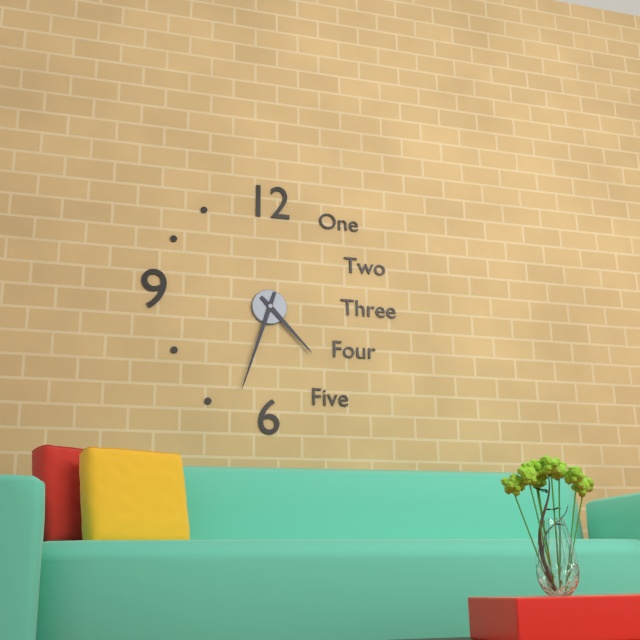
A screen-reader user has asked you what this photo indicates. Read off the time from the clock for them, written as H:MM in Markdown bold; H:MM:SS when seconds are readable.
**4:33**
